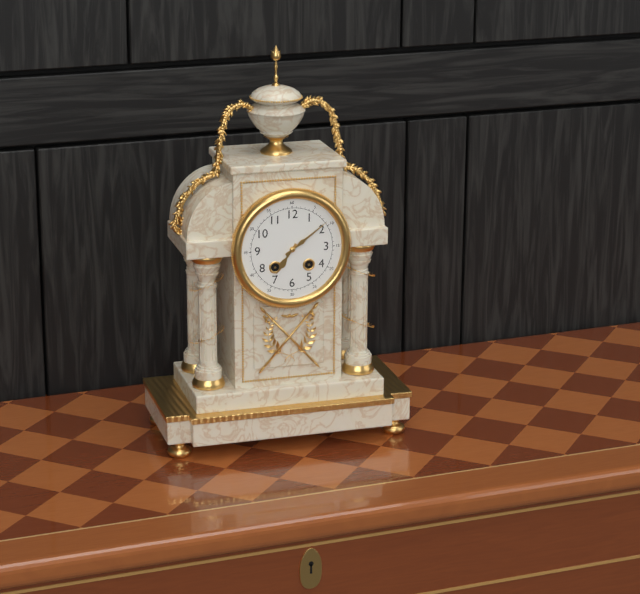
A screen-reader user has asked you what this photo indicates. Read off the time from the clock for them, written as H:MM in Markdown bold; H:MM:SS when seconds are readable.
**7:09**
